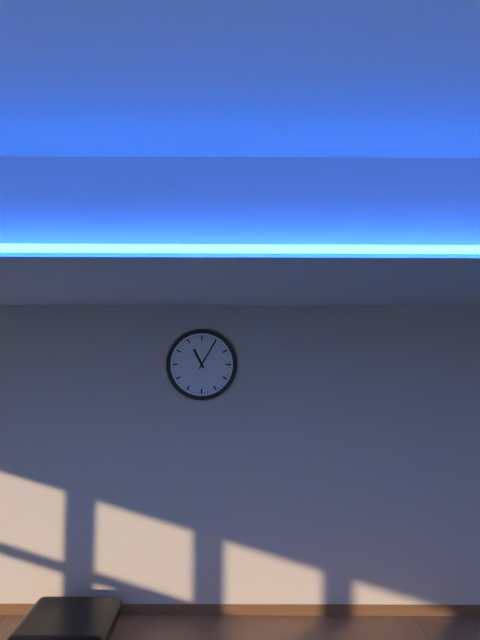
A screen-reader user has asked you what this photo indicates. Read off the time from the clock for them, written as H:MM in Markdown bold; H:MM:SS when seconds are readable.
**11:05**
